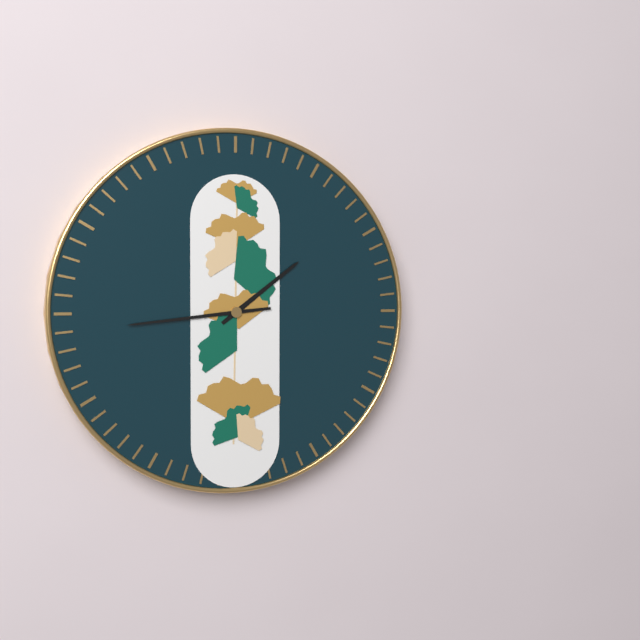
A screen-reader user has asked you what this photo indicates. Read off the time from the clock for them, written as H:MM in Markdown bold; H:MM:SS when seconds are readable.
**1:44**
